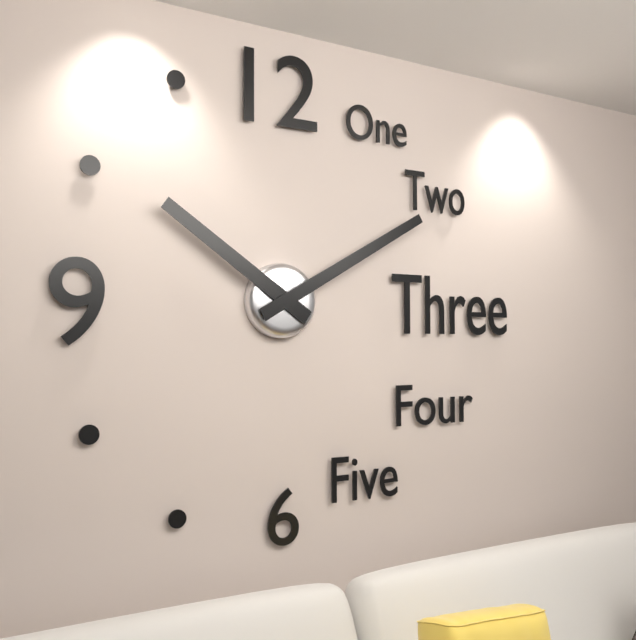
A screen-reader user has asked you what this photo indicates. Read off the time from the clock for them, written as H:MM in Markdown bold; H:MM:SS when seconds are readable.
**10:10**
